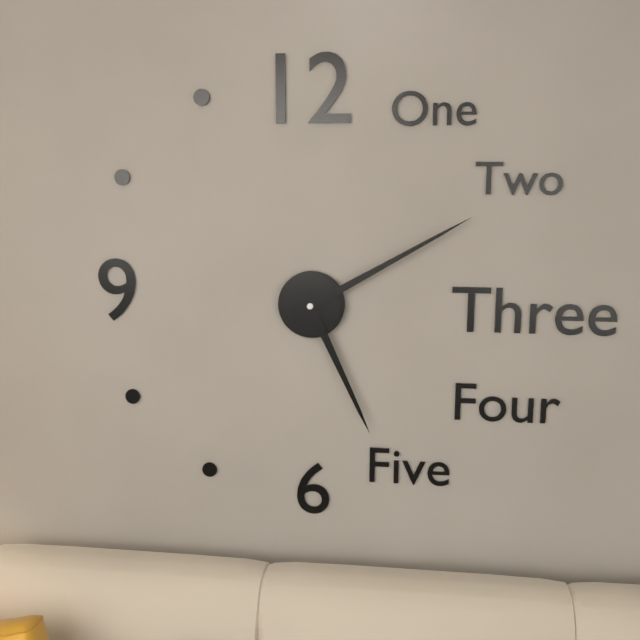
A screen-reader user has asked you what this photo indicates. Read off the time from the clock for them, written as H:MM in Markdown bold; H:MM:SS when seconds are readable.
**5:10**
